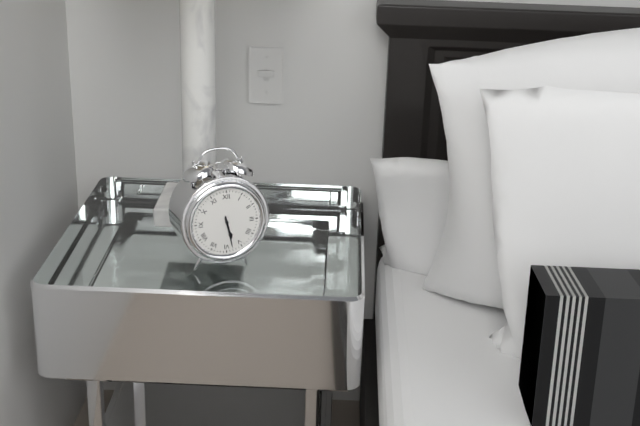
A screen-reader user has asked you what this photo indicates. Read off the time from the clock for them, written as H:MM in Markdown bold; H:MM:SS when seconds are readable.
**5:28**
